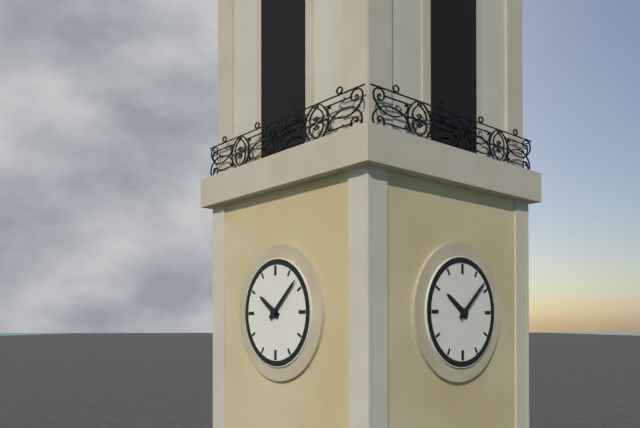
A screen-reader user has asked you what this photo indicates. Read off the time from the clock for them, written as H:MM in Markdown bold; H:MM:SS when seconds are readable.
**10:08**
